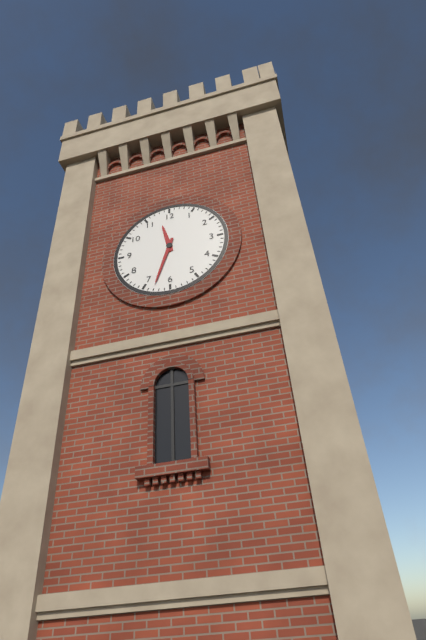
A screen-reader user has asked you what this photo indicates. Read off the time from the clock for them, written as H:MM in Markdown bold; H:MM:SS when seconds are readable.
**11:33**
